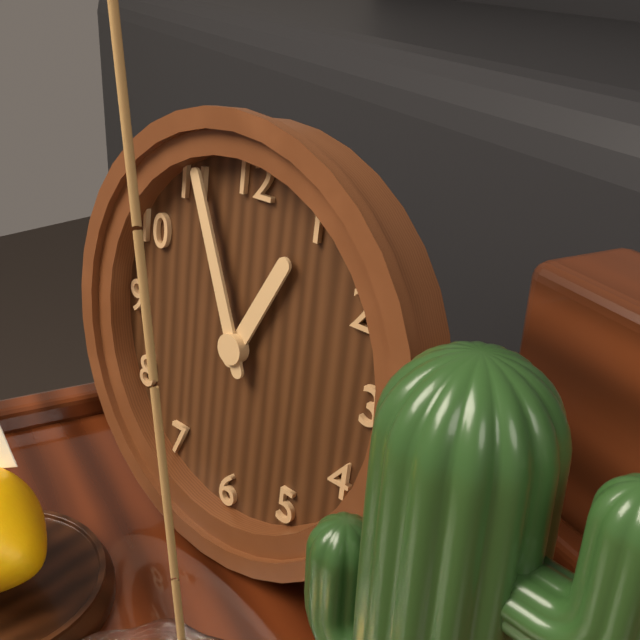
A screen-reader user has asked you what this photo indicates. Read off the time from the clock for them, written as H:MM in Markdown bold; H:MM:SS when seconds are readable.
**12:56**
